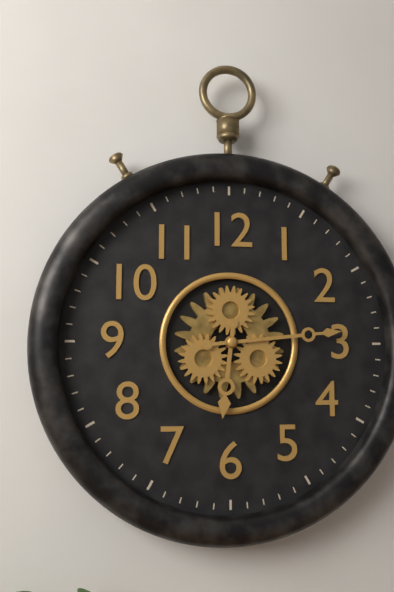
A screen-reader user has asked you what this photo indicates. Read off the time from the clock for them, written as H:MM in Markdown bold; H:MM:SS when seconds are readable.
**6:14**
